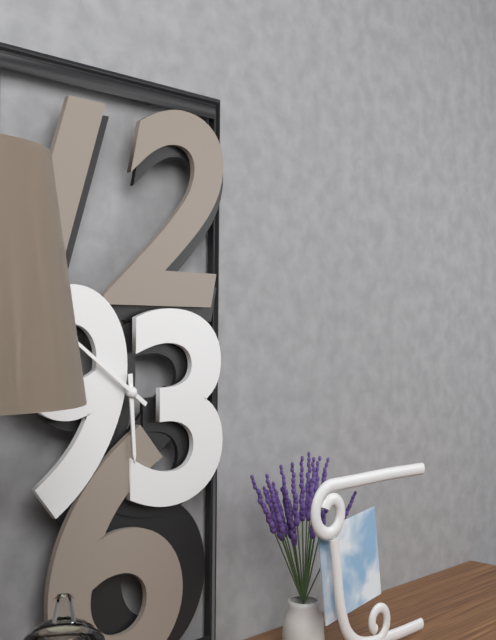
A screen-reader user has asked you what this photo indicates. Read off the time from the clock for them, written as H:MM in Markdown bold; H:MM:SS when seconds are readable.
**5:51**
